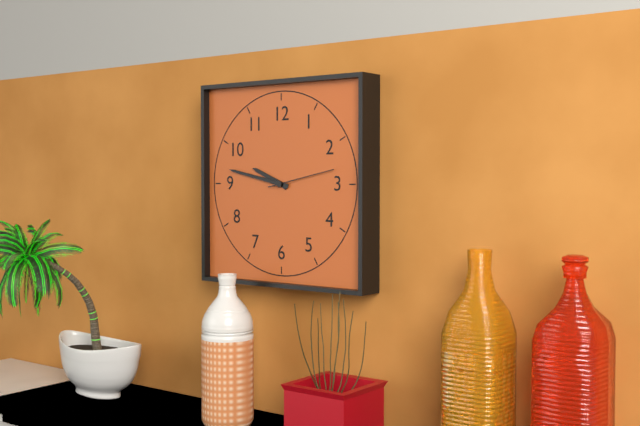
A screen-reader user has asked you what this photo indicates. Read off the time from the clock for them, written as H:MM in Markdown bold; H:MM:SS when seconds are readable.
**9:47:13**
